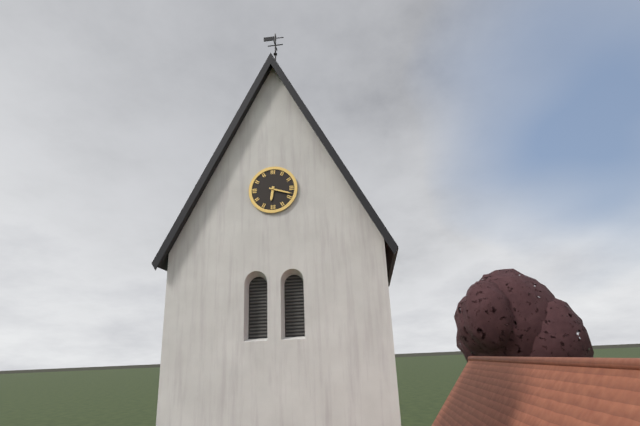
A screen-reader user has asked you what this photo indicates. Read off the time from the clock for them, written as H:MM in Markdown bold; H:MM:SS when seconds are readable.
**6:18**
